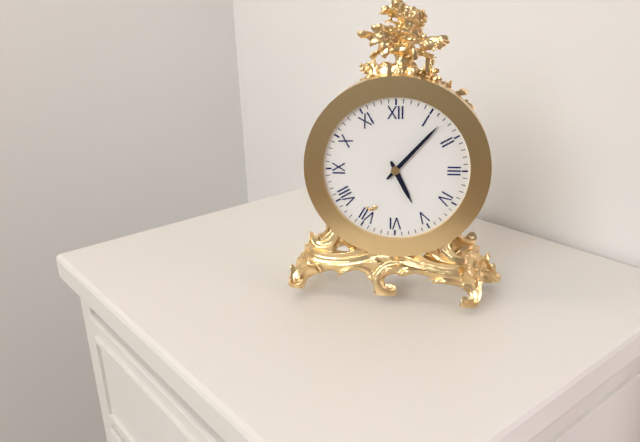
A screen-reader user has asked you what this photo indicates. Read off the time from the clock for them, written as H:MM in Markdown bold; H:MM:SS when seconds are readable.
**5:07**
